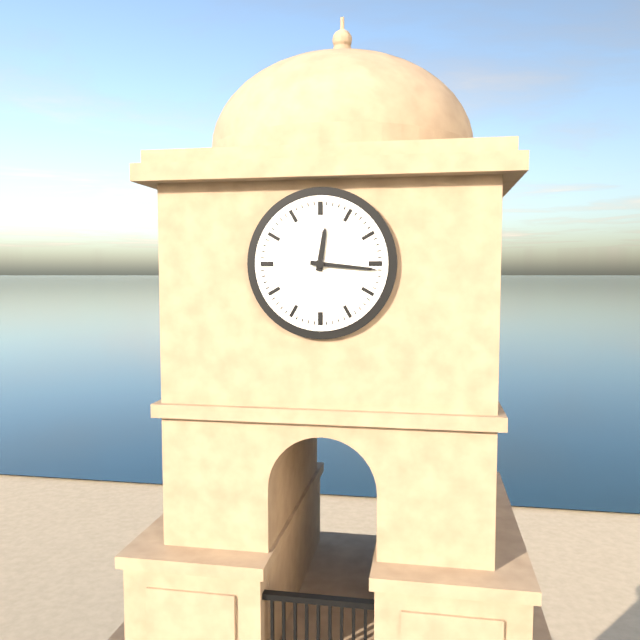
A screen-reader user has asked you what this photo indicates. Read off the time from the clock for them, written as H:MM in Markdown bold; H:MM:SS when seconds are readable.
**12:16**
